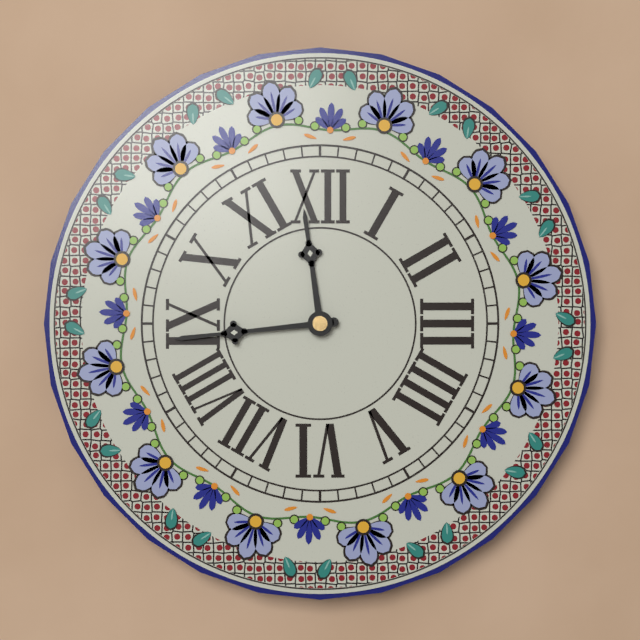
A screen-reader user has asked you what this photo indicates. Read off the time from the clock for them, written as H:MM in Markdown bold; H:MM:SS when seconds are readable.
**11:44**
